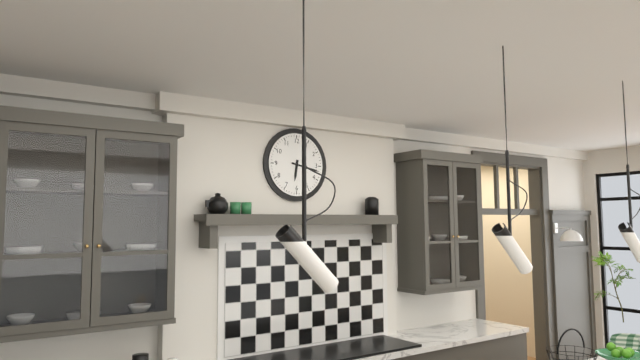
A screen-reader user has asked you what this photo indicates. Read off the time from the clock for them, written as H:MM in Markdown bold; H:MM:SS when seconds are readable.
**6:17**
